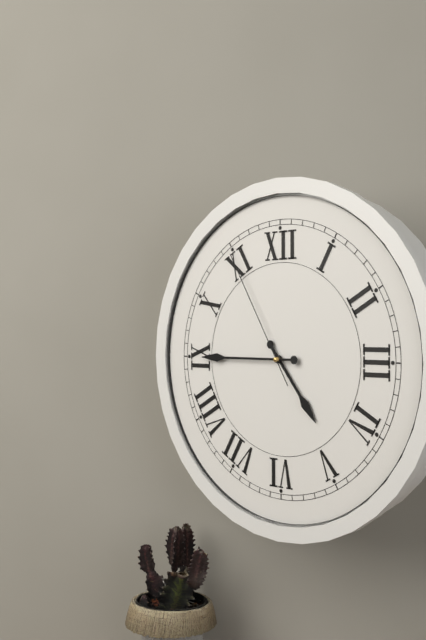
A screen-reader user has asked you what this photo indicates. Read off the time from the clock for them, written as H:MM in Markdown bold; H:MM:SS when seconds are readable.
**4:45:55**
